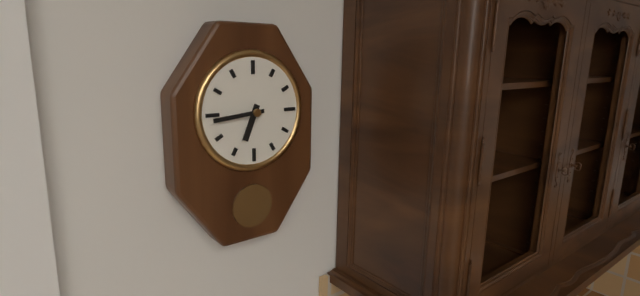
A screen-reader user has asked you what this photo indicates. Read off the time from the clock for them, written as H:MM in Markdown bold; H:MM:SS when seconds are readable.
**6:44**
